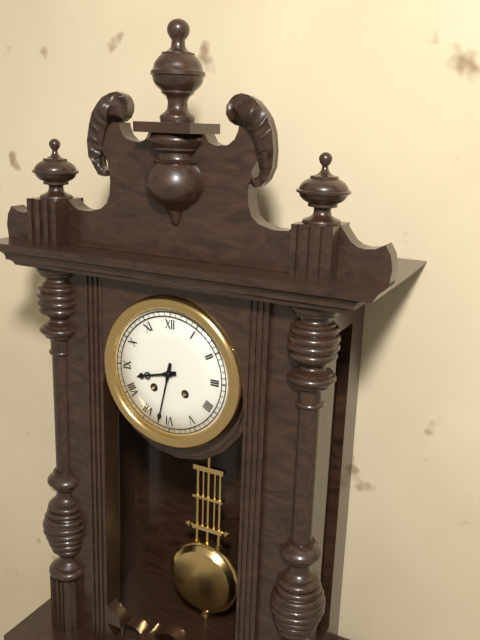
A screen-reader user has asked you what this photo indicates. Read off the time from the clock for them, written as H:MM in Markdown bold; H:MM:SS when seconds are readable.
**8:32**
